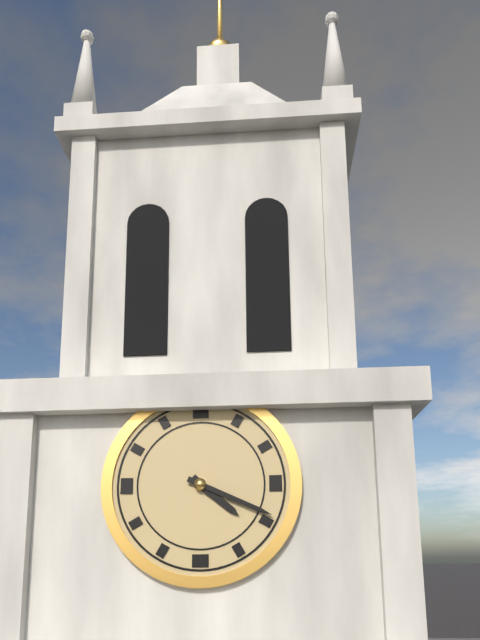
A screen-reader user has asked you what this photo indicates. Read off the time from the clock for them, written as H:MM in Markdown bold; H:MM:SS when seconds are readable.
**4:19**
